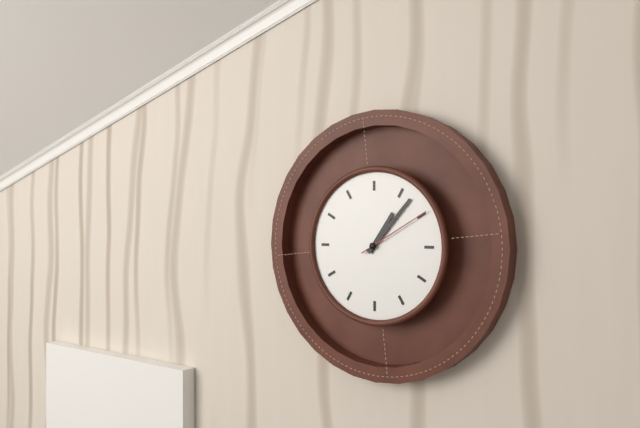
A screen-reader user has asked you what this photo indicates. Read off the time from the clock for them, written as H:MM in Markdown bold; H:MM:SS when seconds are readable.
**1:07:10**
